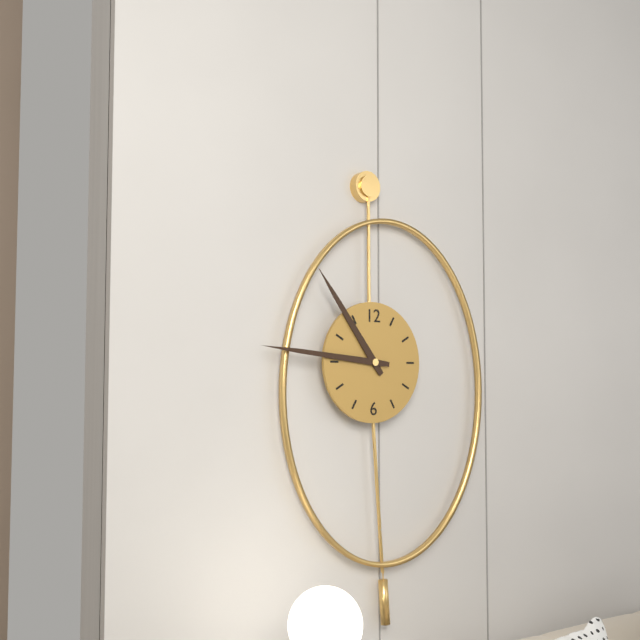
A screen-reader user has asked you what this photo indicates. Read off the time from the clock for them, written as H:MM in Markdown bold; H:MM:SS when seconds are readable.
**10:46**
